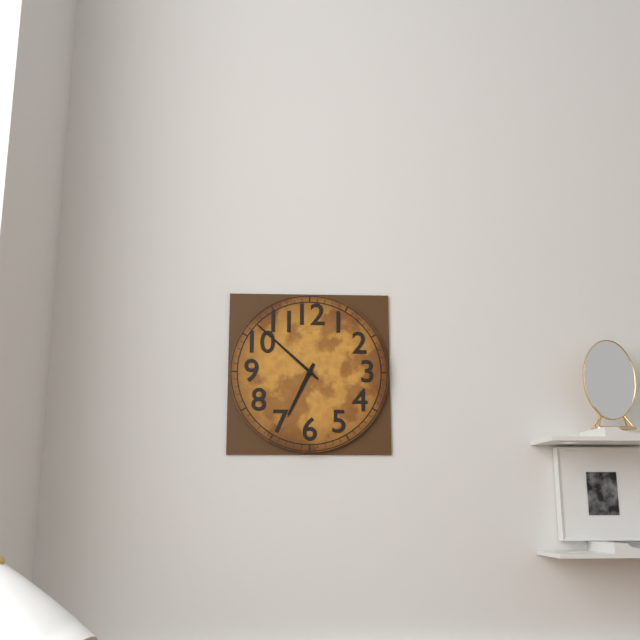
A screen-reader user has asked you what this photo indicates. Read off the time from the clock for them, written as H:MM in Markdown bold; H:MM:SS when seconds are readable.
**6:52**
